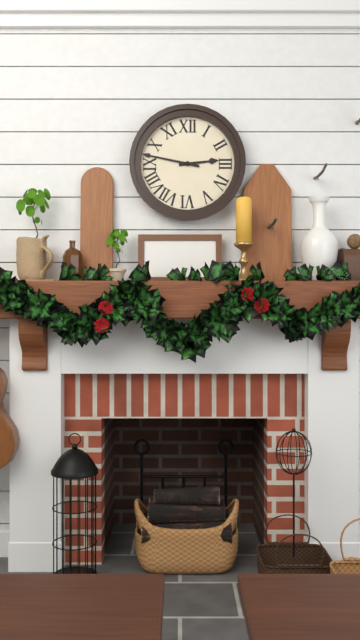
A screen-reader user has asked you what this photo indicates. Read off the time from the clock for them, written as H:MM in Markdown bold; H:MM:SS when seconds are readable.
**2:47**
